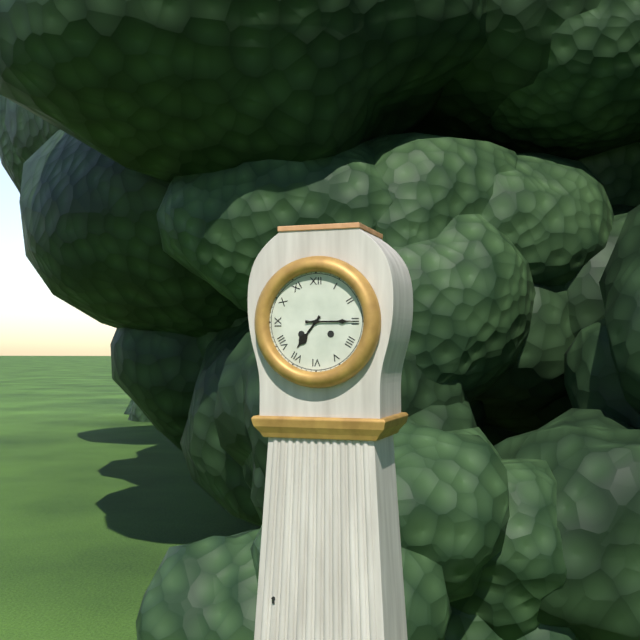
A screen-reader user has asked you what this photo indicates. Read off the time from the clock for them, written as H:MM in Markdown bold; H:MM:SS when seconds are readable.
**7:15**
